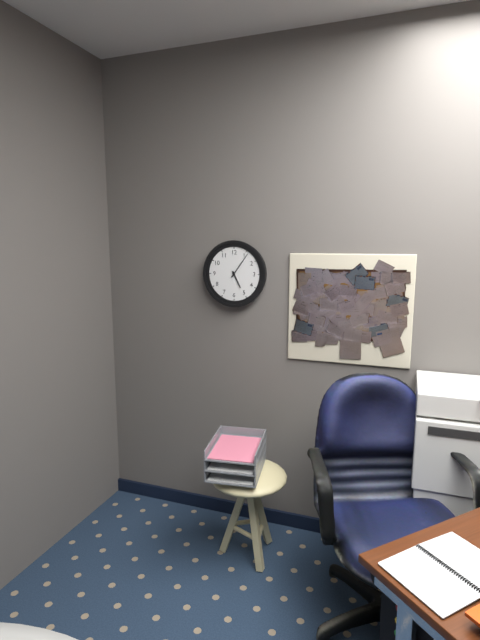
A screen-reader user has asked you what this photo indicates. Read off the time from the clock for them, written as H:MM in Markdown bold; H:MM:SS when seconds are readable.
**5:06**
